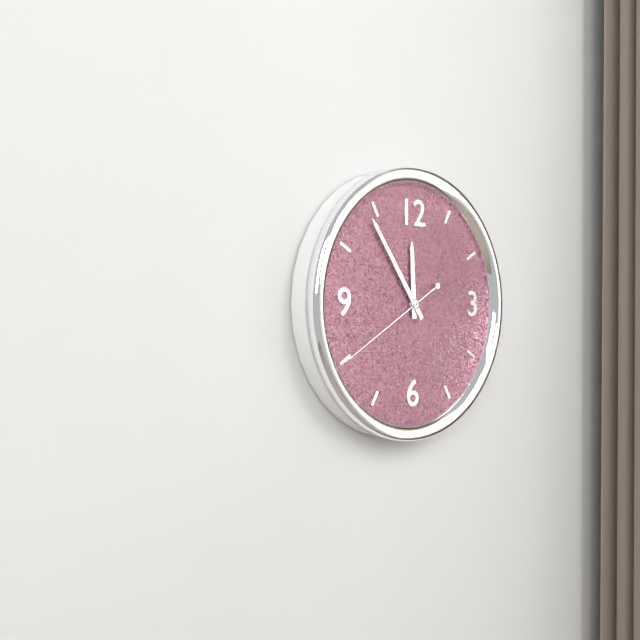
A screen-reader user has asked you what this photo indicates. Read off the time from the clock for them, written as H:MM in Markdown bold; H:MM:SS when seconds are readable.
**11:54:40**
